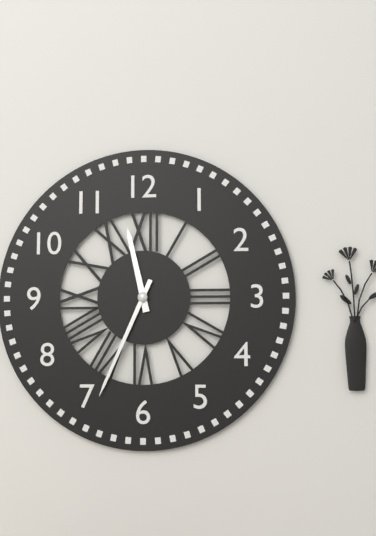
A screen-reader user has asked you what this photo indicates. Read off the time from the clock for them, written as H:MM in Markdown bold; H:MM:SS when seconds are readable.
**11:34**
